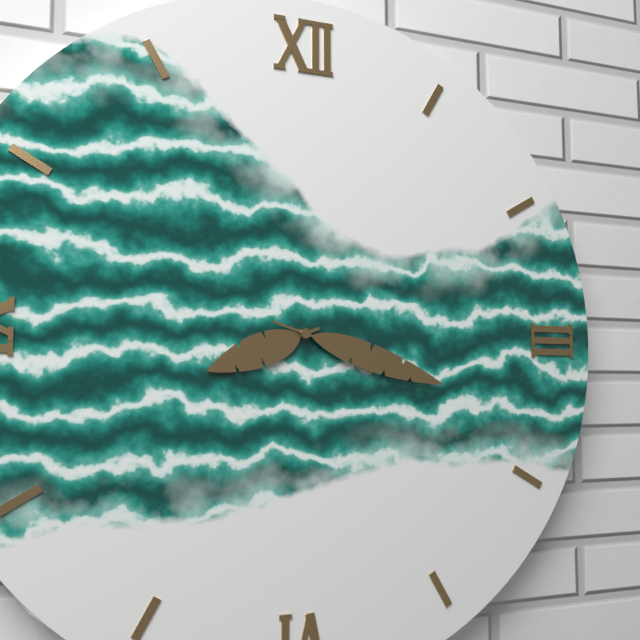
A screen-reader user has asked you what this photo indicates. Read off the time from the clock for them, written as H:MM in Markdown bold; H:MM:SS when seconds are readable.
**8:18**
